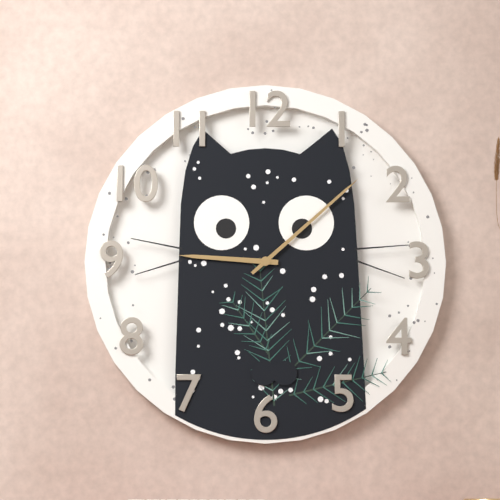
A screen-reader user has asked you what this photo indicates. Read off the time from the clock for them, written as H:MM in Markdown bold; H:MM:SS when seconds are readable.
**9:08**
